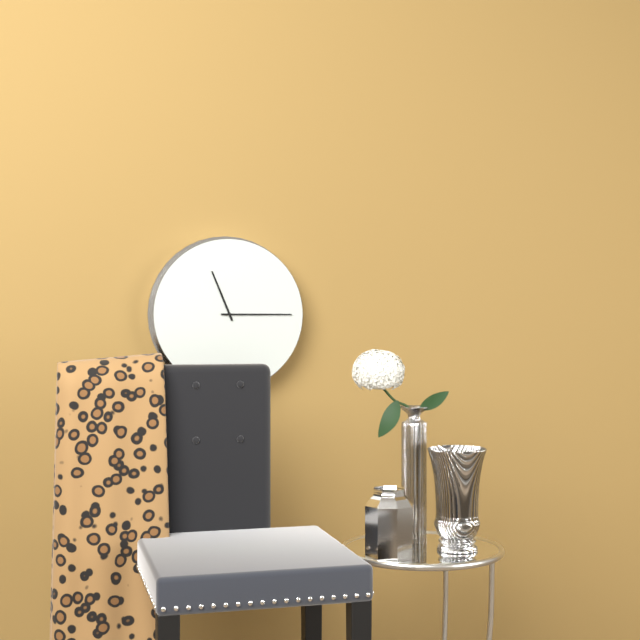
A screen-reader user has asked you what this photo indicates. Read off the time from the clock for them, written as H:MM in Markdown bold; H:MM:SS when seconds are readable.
**11:15**
